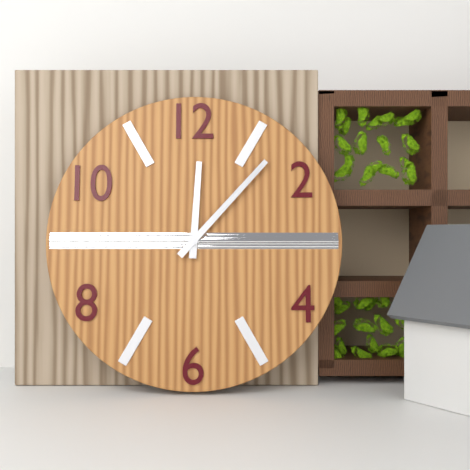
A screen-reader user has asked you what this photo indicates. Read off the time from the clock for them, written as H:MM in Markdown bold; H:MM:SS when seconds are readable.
**12:07**
